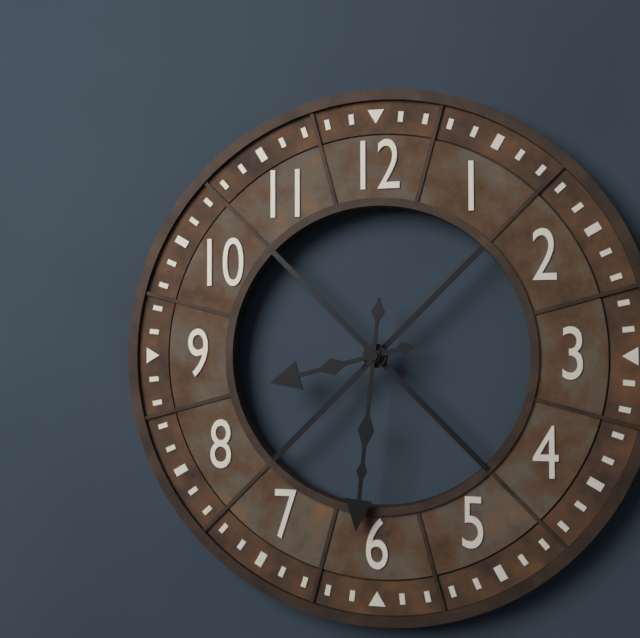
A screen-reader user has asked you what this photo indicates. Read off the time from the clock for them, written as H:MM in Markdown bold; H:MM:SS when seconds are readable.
**8:31**
